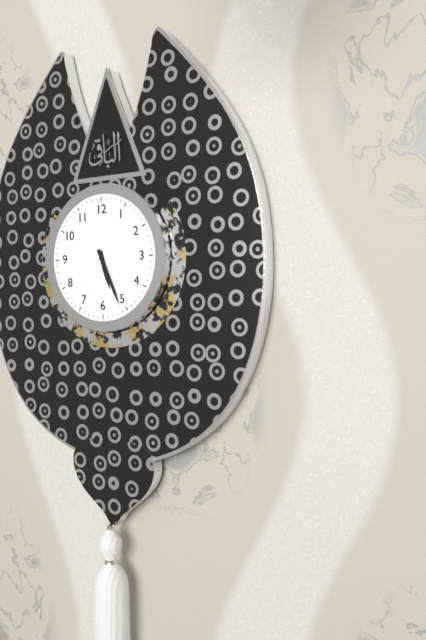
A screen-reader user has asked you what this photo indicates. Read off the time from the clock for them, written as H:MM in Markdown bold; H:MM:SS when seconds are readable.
**5:26**
